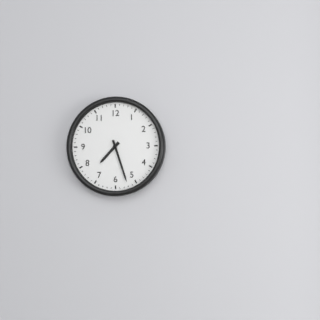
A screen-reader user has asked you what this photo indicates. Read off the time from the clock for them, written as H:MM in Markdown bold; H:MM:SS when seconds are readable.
**7:27**
